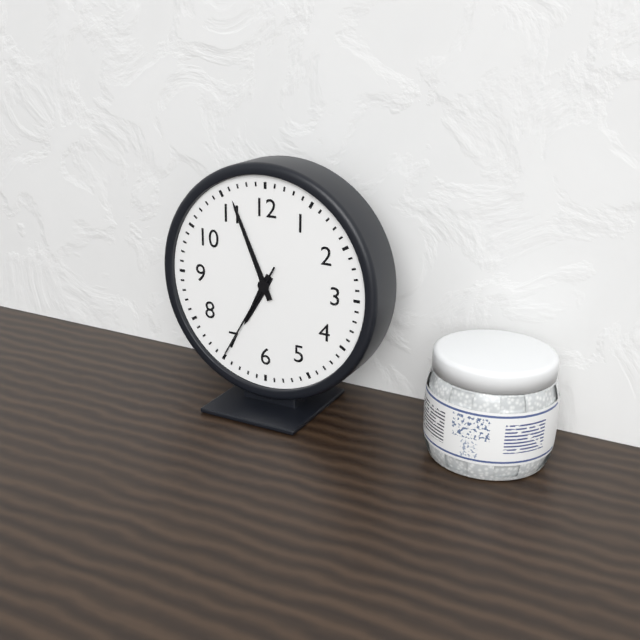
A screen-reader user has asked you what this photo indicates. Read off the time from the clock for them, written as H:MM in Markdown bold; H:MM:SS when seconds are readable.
**6:56:35**
